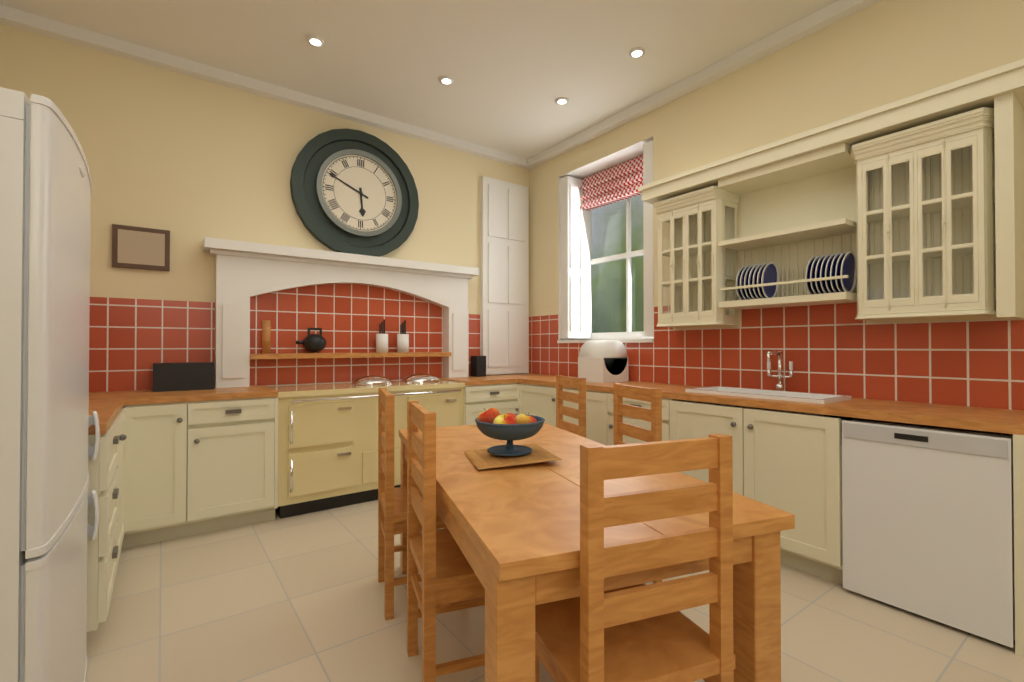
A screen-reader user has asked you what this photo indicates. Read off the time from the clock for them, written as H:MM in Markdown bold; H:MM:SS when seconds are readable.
**5:49**
